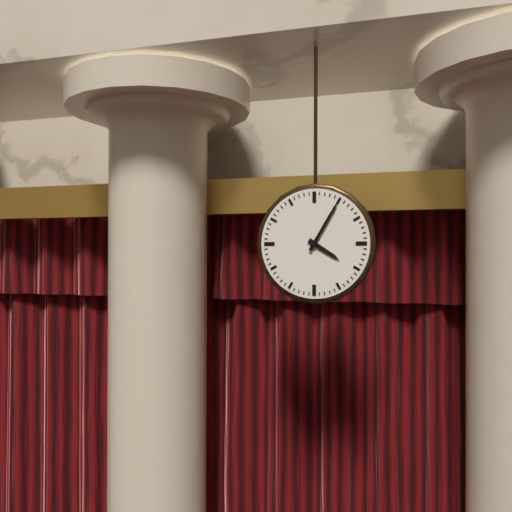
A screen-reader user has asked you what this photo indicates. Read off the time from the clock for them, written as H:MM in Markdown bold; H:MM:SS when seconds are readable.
**4:05**
